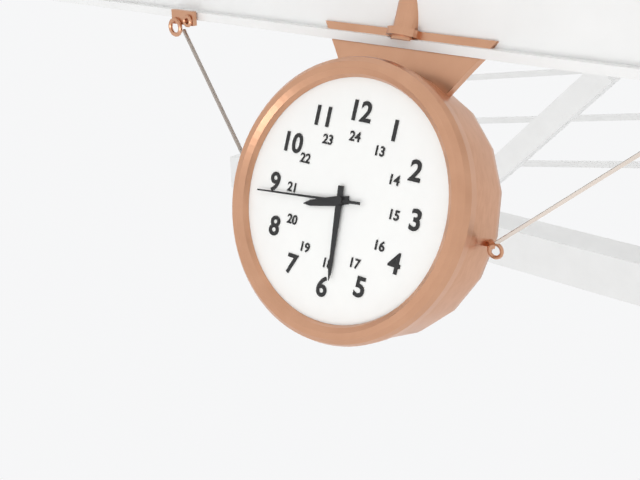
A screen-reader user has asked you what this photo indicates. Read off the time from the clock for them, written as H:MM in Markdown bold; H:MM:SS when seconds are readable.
**8:29:44**
